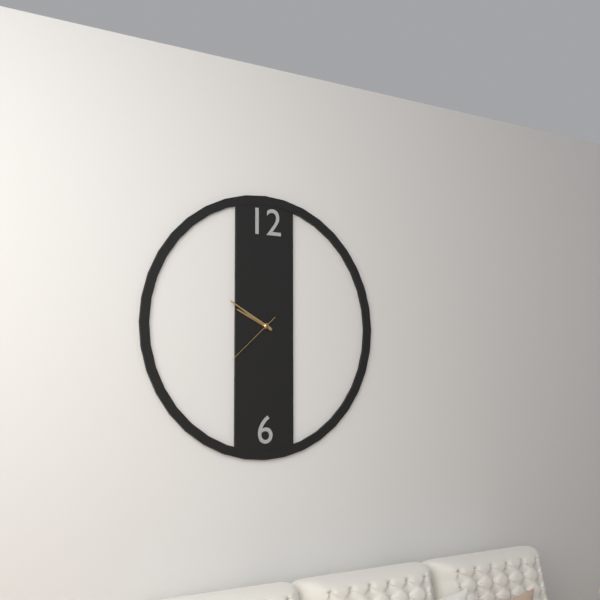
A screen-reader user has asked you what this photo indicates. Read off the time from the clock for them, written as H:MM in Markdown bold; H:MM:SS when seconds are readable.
**9:50:38**
